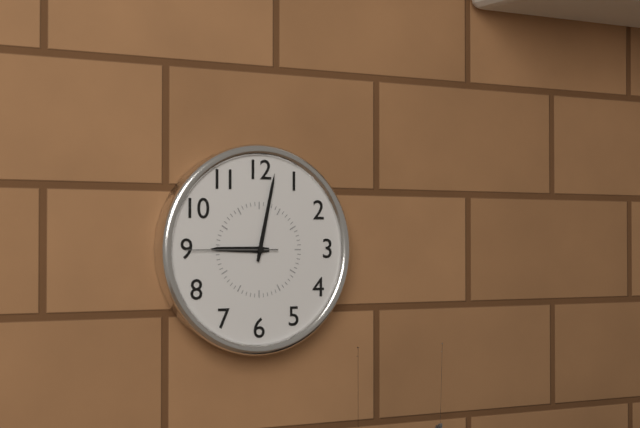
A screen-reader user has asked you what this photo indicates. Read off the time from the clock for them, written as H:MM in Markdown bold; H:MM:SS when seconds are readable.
**9:02:45**
